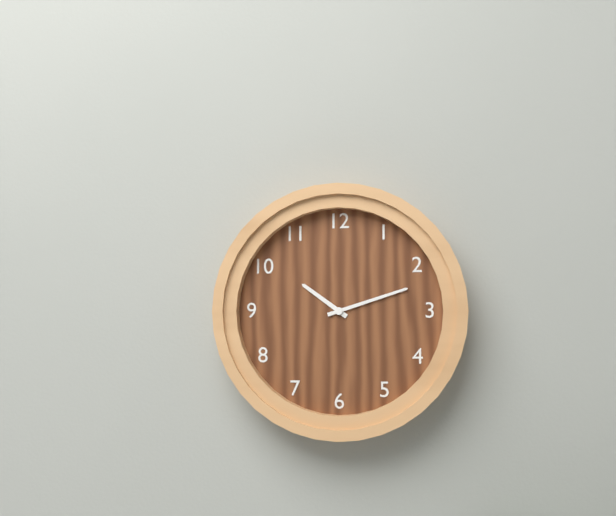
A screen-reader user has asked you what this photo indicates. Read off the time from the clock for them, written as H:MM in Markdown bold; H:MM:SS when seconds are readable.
**10:12**
